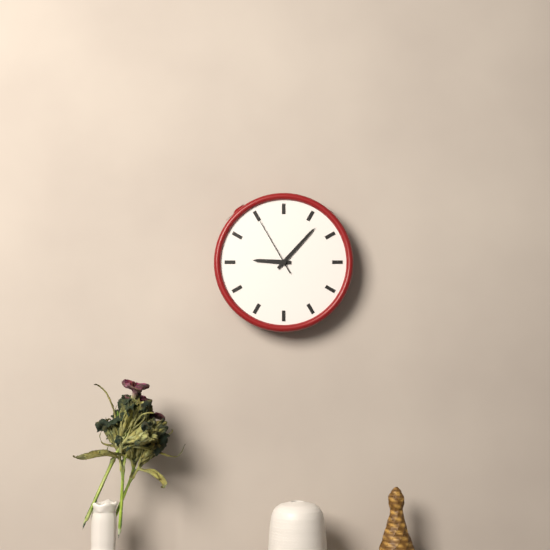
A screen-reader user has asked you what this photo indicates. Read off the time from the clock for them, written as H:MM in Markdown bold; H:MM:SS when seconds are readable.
**9:07:55**
